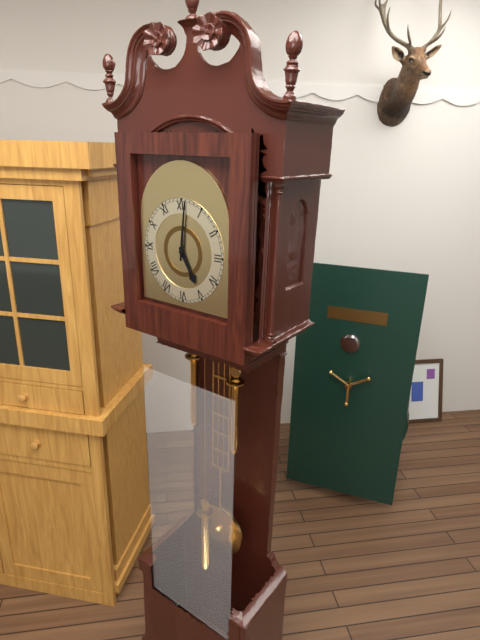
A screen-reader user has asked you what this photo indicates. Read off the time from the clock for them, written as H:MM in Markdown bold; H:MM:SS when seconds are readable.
**5:01**
